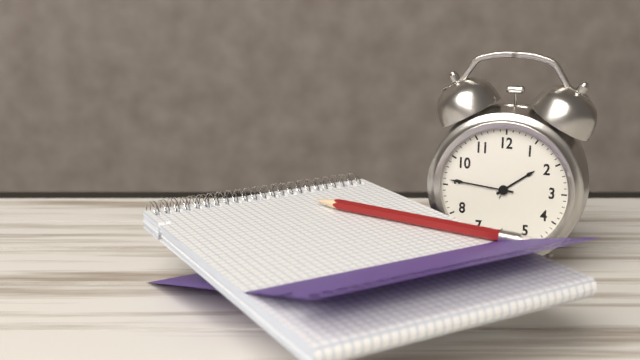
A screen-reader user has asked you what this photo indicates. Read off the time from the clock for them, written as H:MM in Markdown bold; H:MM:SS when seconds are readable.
**1:46**
